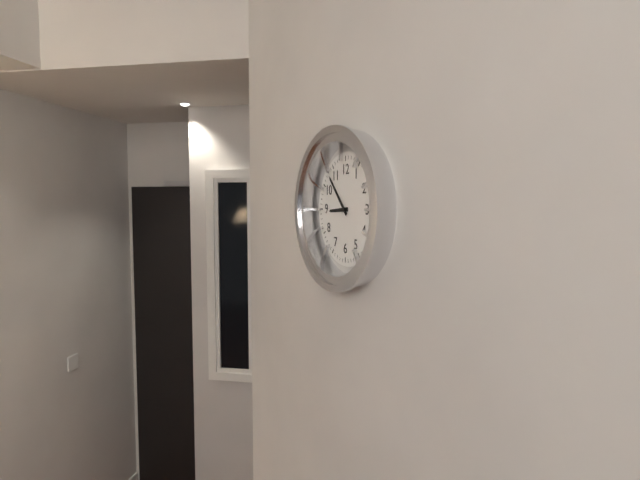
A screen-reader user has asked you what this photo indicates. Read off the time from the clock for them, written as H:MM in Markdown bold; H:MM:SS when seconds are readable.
**8:53**
